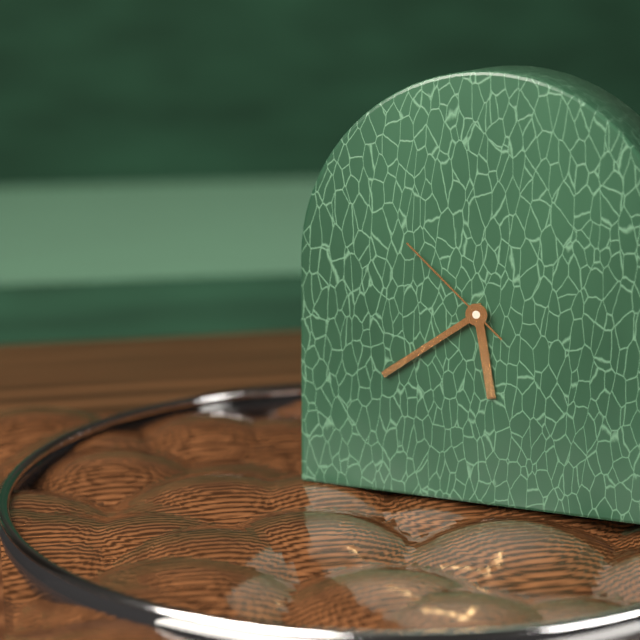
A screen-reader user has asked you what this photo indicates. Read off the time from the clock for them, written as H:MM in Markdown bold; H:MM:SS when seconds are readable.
**5:39:52**
